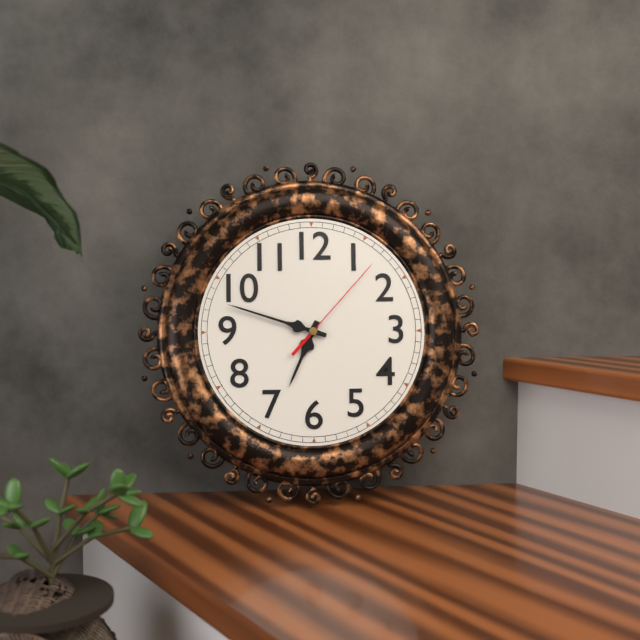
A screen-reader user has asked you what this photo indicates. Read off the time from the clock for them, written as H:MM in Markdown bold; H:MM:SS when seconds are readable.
**6:48:07**
